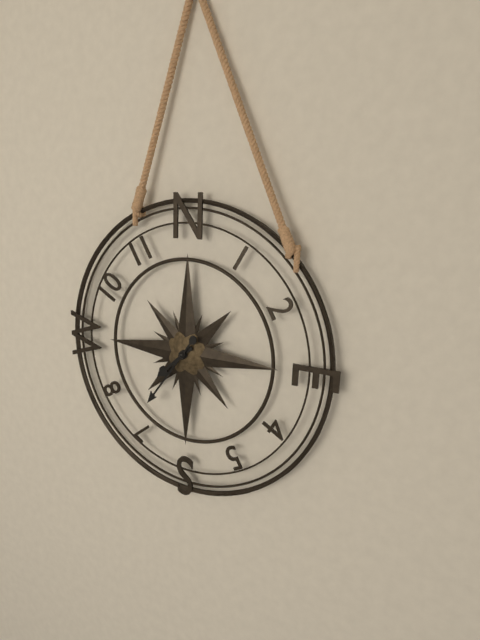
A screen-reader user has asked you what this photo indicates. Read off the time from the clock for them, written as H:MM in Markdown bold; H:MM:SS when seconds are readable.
**7:36**
